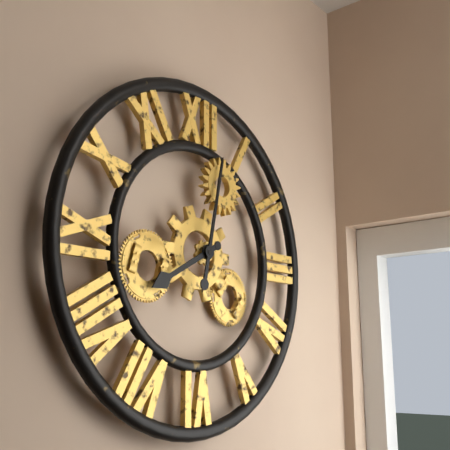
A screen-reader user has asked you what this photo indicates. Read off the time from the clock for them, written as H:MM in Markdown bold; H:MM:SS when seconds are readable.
**8:02**
